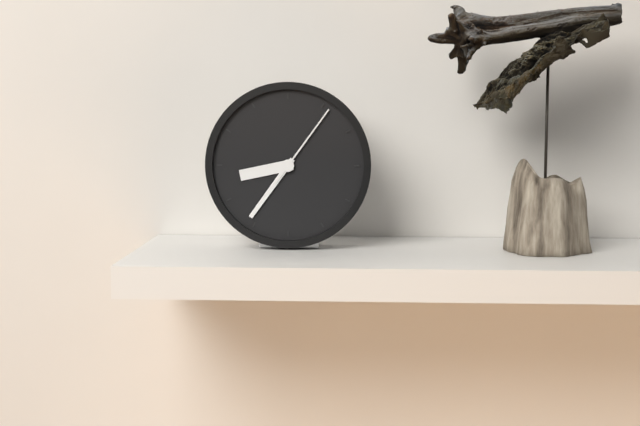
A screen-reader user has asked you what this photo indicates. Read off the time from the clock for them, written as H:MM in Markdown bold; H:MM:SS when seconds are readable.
**8:36:06**
